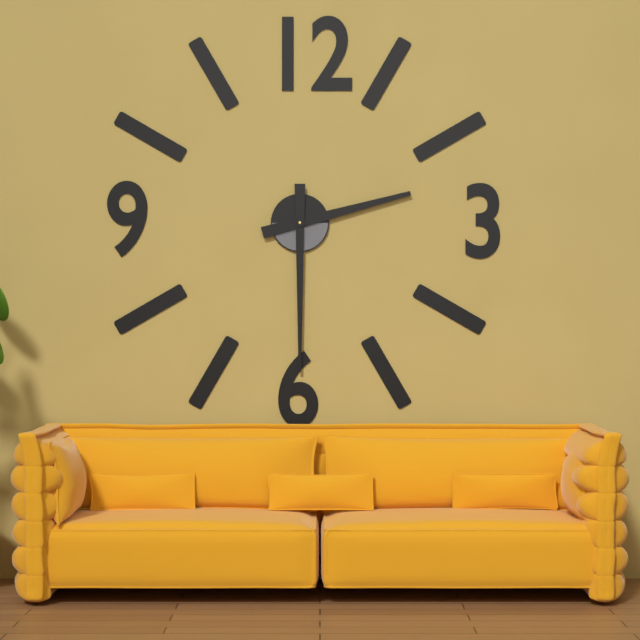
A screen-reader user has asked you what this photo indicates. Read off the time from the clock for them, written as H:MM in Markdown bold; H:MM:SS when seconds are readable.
**2:30**
